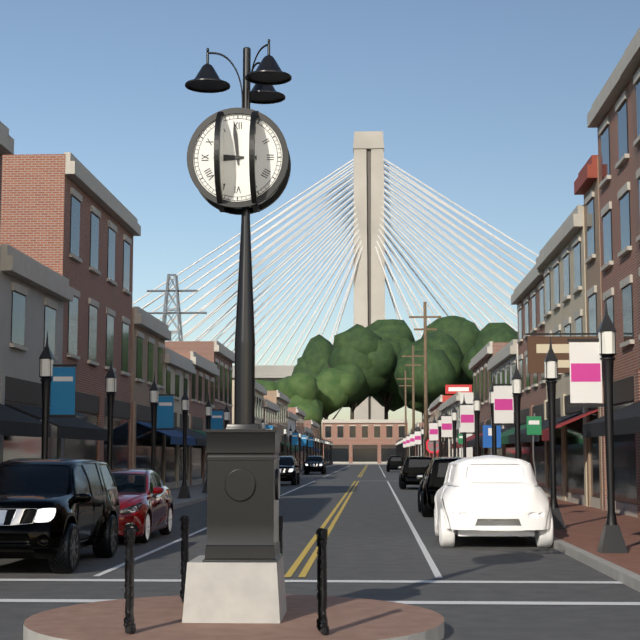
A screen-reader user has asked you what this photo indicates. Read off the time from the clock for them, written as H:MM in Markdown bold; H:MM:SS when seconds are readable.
**8:59**
